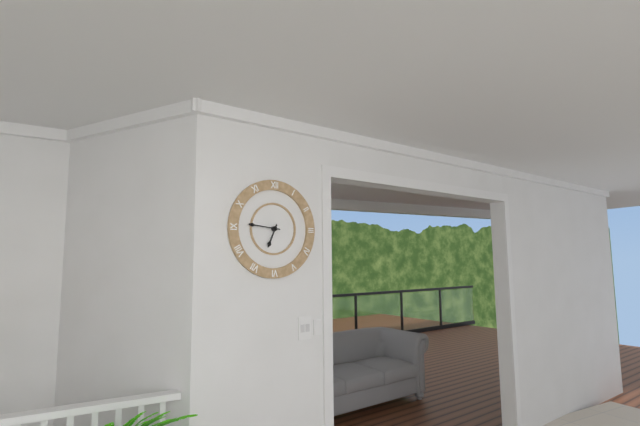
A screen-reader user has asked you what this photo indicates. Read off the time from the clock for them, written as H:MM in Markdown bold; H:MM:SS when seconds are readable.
**6:46**
